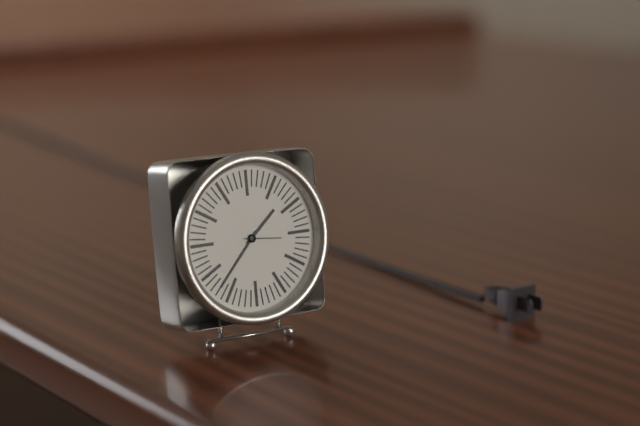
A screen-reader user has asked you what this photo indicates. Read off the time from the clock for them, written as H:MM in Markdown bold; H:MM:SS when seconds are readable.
**1:37**
